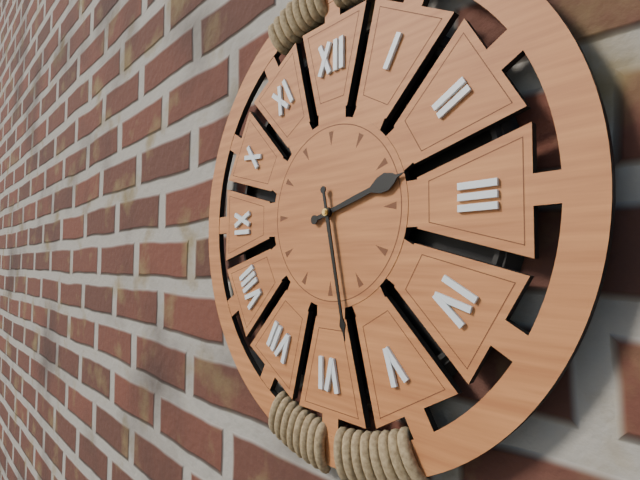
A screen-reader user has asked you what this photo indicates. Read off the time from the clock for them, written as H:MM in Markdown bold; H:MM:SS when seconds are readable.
**2:28**
